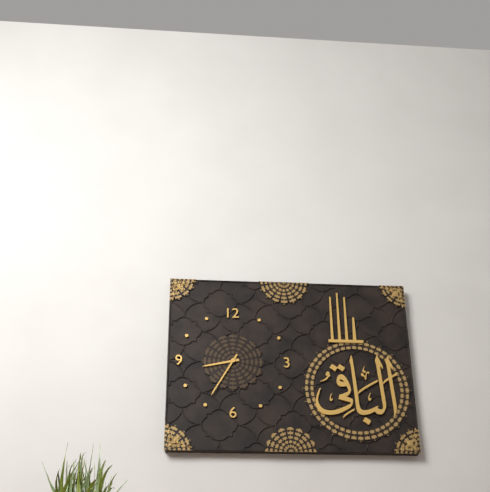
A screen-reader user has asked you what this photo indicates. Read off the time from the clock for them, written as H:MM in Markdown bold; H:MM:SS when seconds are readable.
**8:35**
